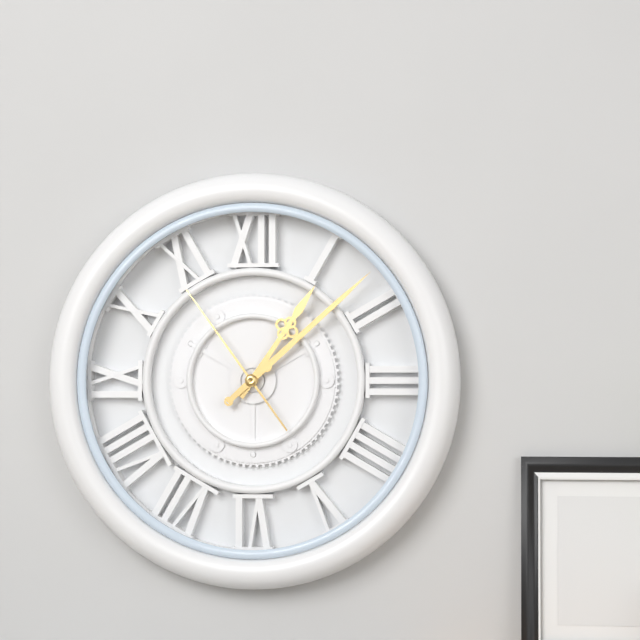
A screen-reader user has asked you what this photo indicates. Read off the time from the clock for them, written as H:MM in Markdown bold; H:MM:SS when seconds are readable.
**1:08:54**
